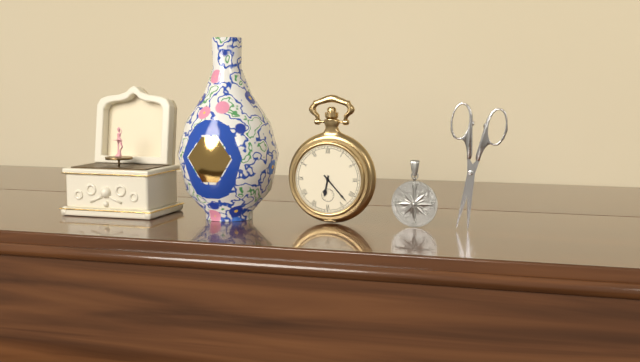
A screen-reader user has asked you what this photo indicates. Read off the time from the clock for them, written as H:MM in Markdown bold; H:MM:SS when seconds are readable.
**6:23**
